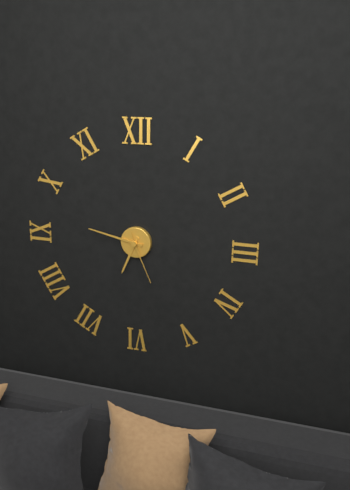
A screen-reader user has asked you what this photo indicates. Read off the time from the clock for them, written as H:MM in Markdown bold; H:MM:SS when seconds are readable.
**6:47:26**
